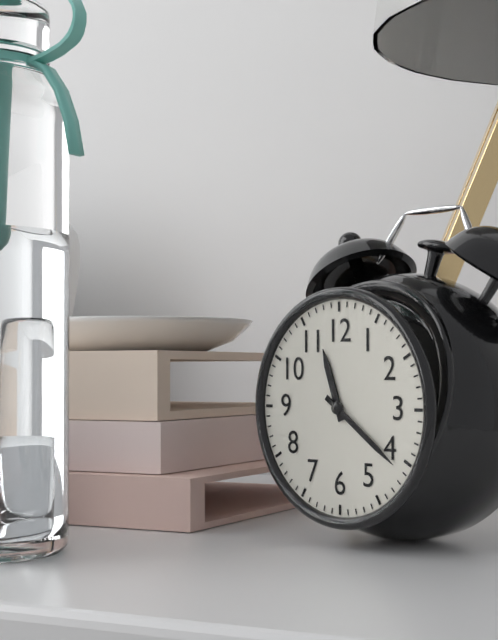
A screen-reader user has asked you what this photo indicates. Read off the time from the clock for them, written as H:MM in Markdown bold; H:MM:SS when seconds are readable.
**11:21**
